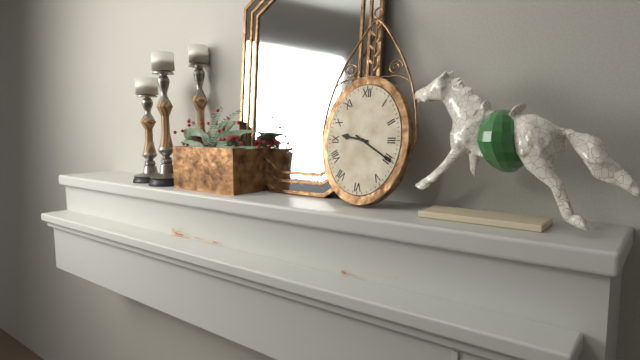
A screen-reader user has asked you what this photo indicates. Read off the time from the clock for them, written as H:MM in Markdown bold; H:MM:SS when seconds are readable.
**9:20**
